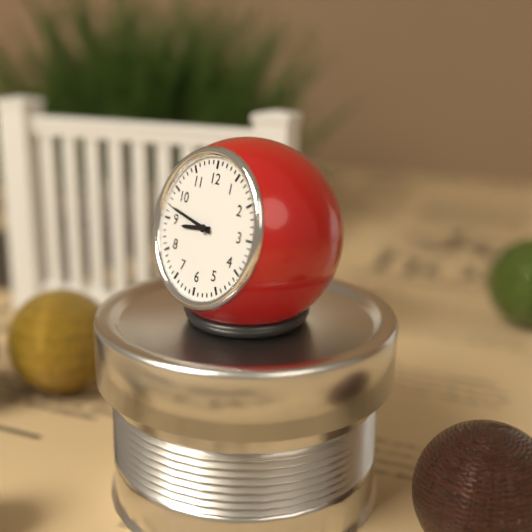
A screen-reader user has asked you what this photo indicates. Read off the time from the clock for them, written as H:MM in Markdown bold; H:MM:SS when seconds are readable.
**8:47**
